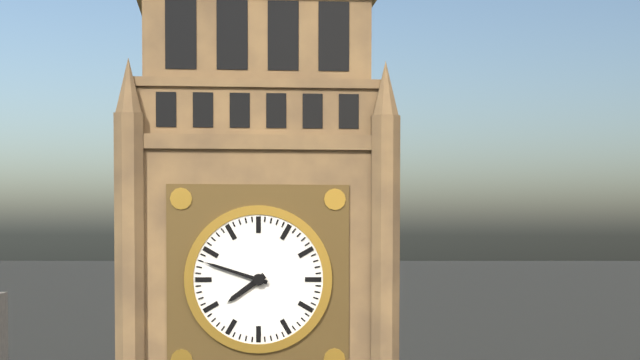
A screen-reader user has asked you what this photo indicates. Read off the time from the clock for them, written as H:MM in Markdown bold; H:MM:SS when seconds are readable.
**7:48**
